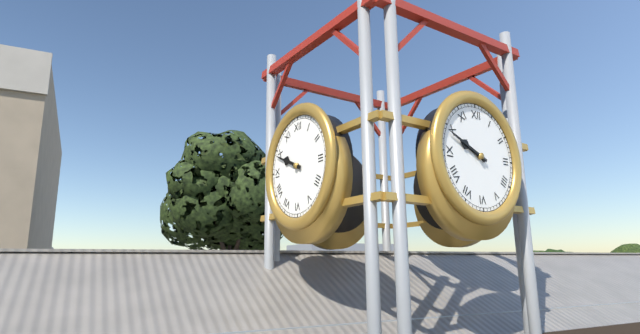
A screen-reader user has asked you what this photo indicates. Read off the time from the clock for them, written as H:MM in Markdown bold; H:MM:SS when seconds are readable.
**9:49**
